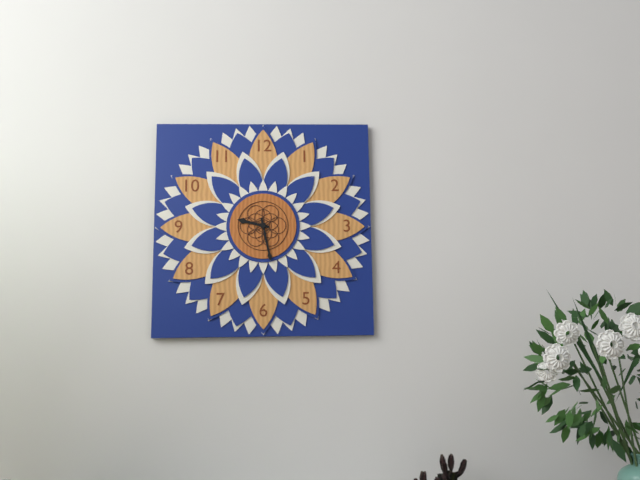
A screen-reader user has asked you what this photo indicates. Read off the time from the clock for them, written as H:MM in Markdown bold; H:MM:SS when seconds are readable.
**9:28**
